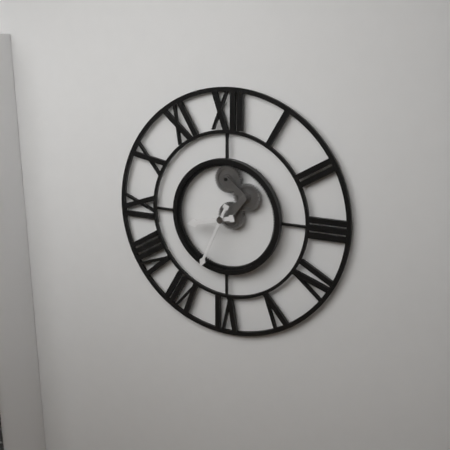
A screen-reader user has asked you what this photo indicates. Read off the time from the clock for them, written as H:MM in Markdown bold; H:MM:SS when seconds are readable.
**8:34**
